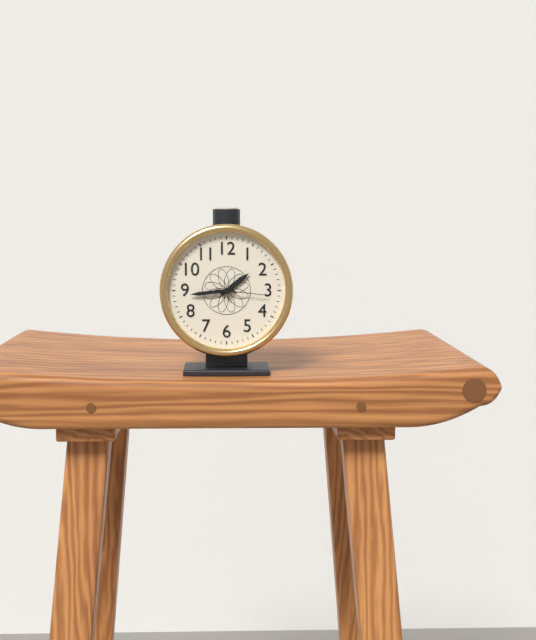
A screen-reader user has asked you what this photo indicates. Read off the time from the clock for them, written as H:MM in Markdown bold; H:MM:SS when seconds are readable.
**1:44:16**
